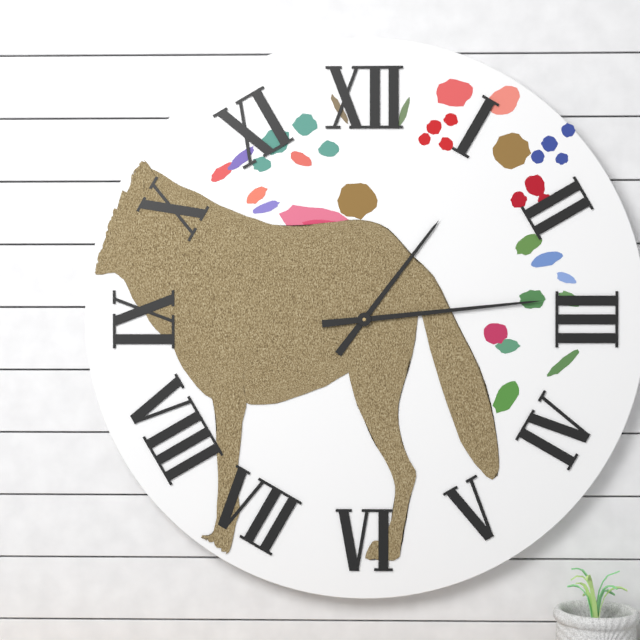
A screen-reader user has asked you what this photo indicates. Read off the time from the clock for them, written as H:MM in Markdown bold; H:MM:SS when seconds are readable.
**1:14**
